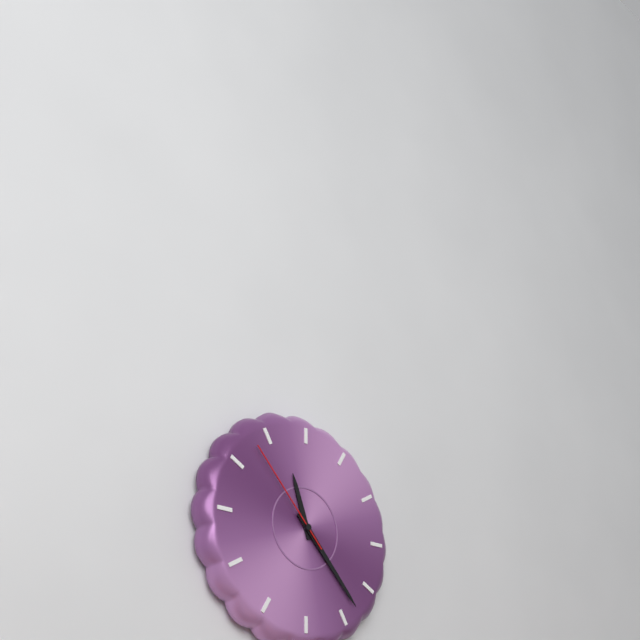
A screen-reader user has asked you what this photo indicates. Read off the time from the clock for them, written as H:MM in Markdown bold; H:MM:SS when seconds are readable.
**11:23:53**
